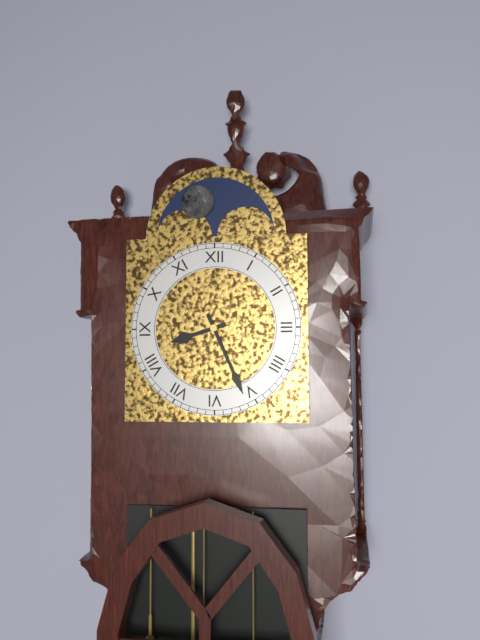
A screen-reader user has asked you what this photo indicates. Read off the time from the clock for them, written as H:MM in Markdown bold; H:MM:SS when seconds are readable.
**8:26**
